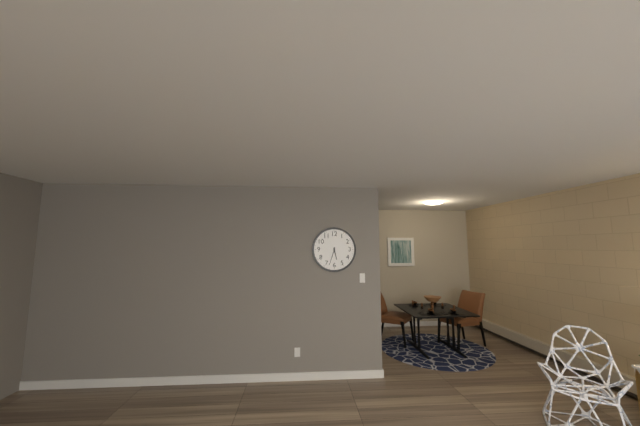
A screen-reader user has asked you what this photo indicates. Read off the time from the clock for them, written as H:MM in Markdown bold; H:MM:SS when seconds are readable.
**5:33**
